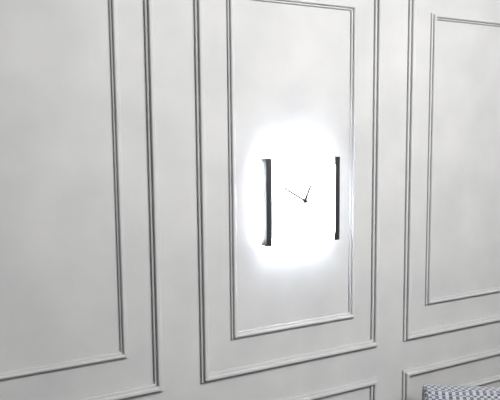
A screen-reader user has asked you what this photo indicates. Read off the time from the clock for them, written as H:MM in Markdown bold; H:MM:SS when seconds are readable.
**12:50**
